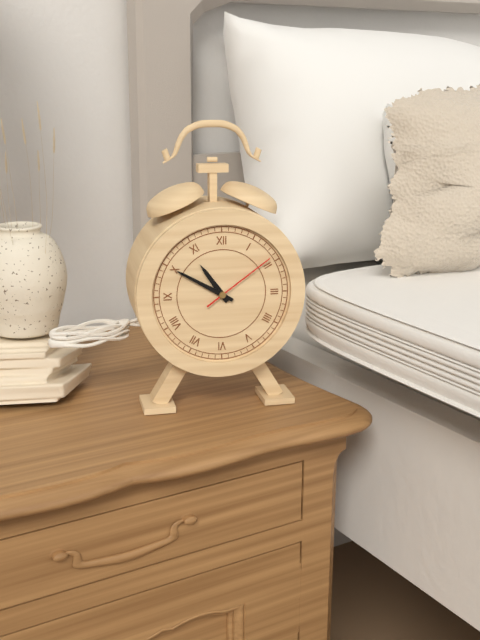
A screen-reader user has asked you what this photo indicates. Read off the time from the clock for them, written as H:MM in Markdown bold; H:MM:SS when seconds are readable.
**10:50:09**
